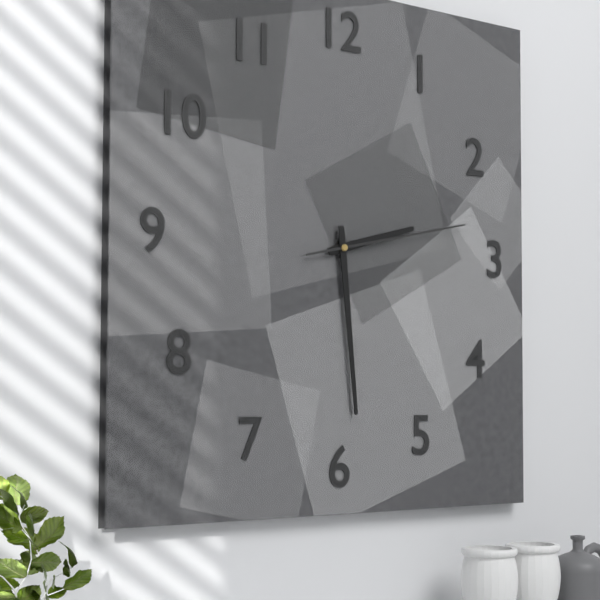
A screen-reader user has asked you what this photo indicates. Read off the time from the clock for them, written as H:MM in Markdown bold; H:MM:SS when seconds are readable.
**2:29:13**
